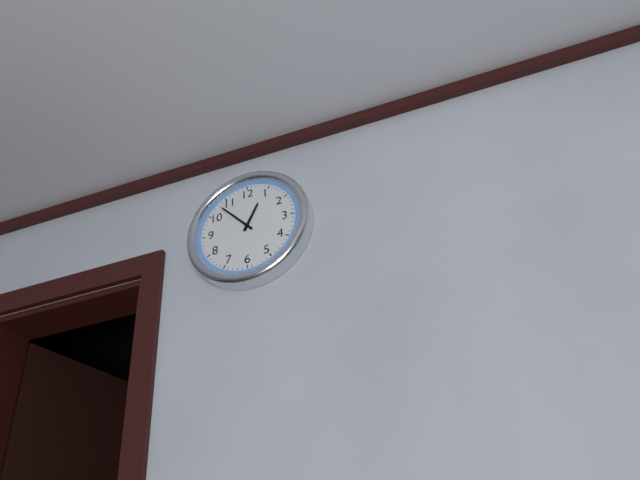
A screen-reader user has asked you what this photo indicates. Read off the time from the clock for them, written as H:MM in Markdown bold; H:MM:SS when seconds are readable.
**12:53**
